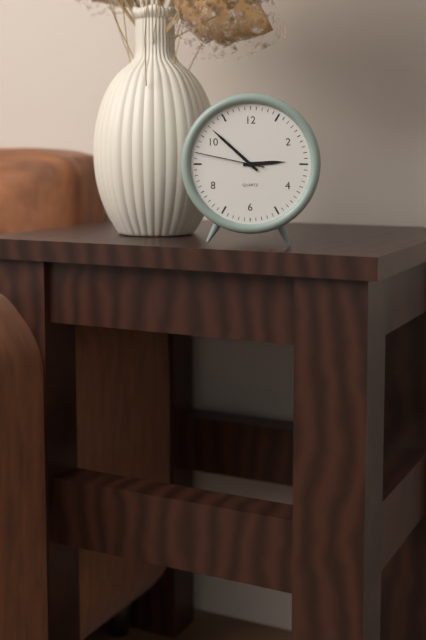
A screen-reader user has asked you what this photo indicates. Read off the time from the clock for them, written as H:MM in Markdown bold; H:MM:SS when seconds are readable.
**2:52:47**
